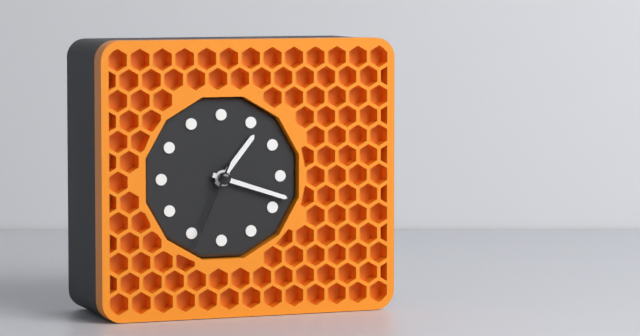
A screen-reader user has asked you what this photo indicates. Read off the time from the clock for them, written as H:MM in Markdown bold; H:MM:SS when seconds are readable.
**1:18:34**
